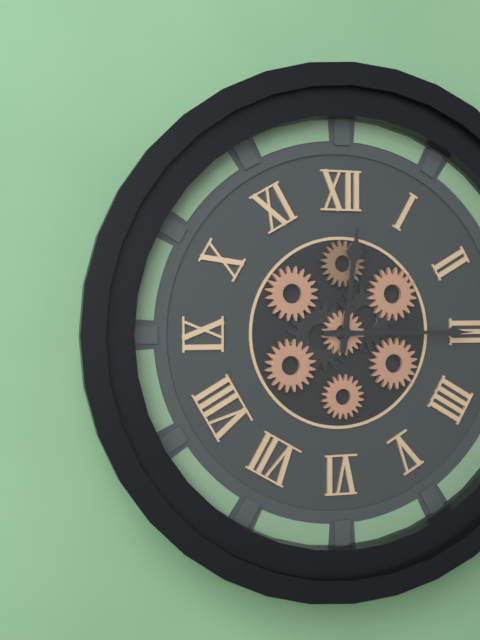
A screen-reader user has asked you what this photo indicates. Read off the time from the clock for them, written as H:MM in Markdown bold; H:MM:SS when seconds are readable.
**12:15**
